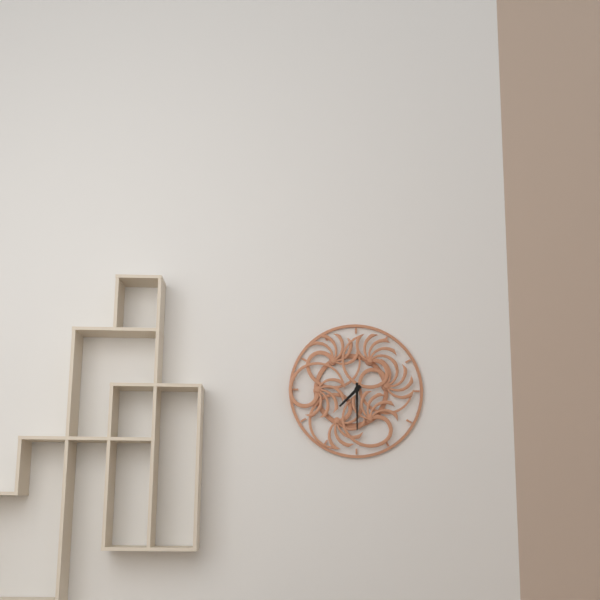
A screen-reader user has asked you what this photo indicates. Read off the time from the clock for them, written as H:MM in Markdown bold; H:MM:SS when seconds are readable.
**7:30**
